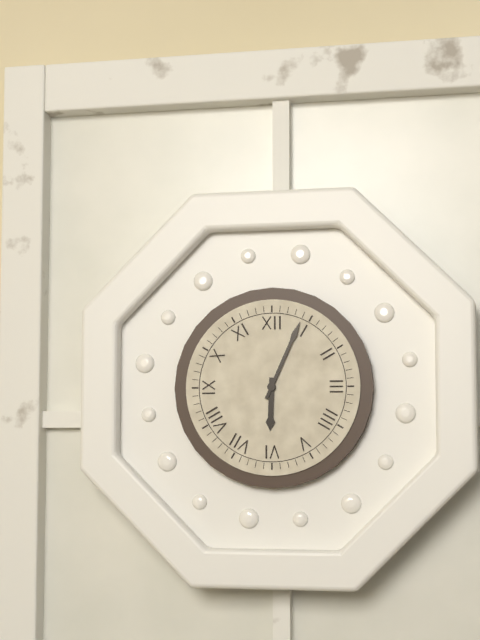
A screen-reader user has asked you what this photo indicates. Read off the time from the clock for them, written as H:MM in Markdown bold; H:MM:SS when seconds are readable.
**6:04**
